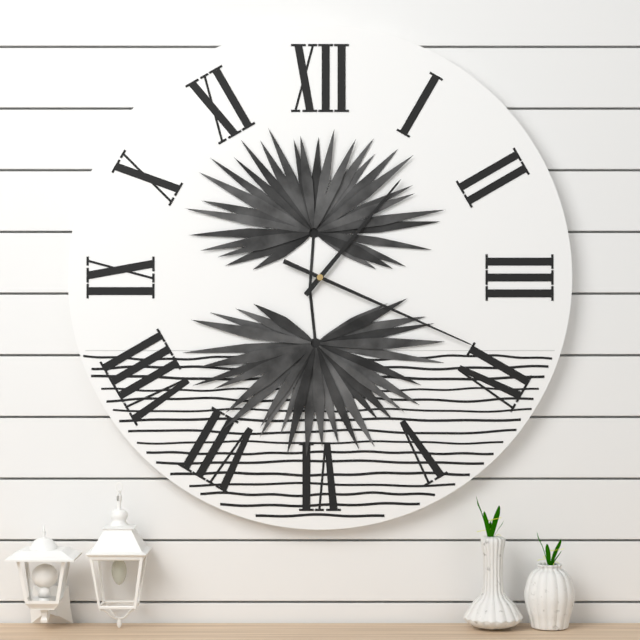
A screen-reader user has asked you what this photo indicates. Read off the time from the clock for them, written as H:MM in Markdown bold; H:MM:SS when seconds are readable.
**1:19**
